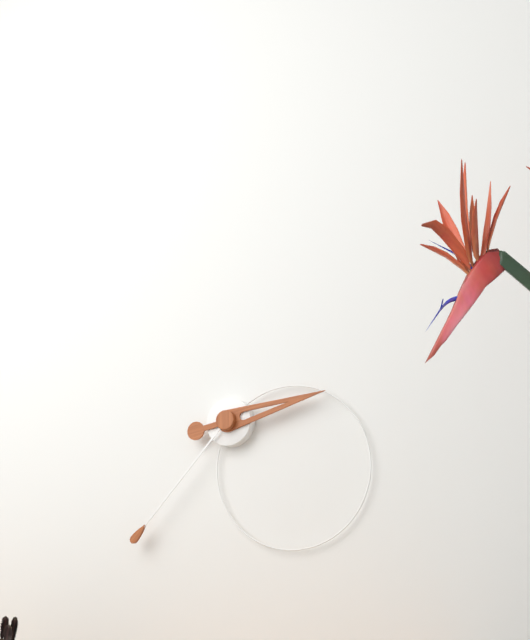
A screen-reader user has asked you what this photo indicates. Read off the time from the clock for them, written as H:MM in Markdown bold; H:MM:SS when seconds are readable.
**2:37**
